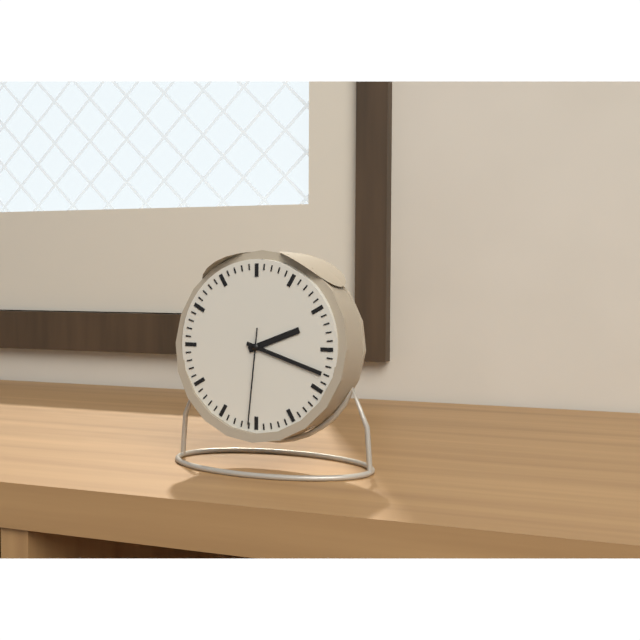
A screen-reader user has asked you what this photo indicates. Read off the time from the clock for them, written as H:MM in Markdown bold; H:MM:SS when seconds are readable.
**2:18:31**
